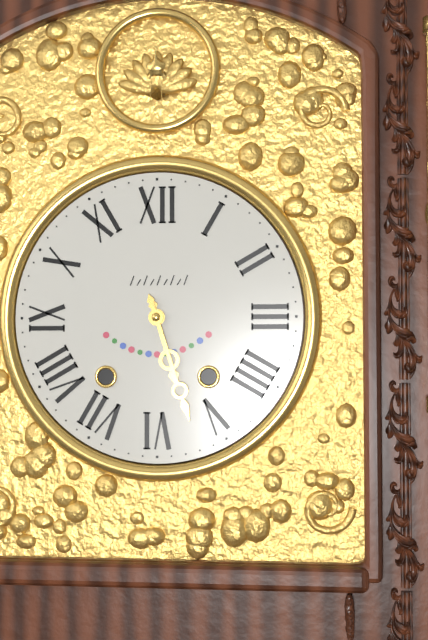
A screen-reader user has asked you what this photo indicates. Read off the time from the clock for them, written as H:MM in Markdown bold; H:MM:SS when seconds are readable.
**5:27**
